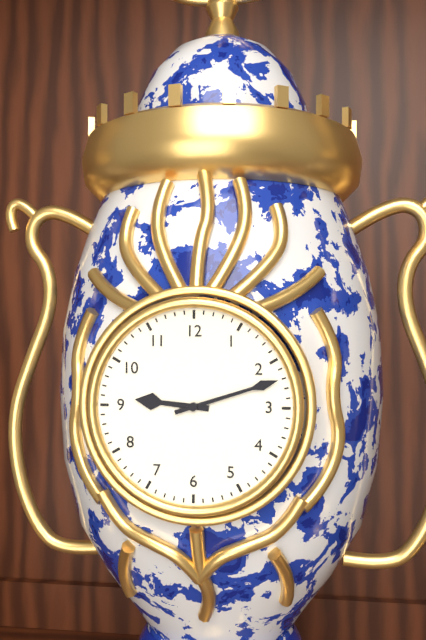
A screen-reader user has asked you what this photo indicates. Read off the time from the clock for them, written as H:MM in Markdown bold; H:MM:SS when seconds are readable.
**9:12**
